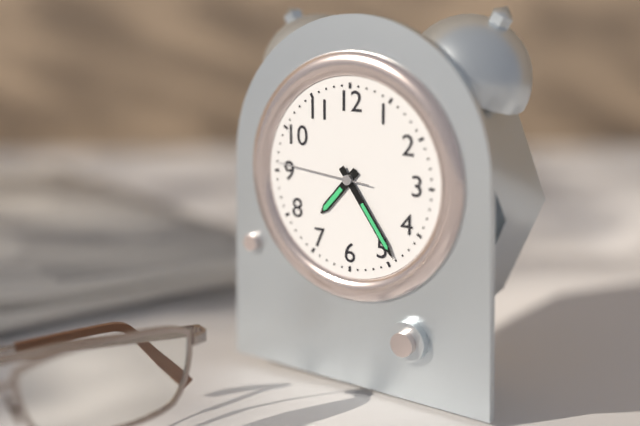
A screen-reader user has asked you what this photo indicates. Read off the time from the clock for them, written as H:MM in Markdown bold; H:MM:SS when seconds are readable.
**7:24:46**
